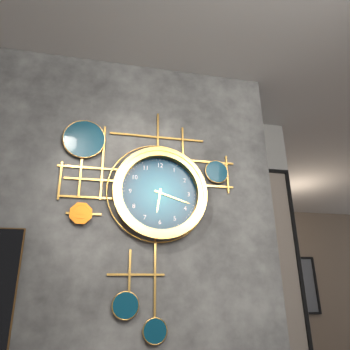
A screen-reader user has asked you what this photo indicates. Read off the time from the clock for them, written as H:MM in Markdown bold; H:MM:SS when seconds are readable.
**6:18**
